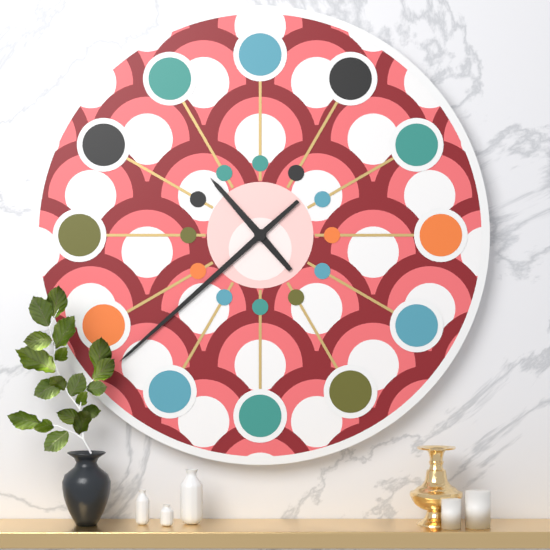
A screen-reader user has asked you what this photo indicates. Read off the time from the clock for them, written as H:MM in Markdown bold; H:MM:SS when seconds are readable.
**10:38**
